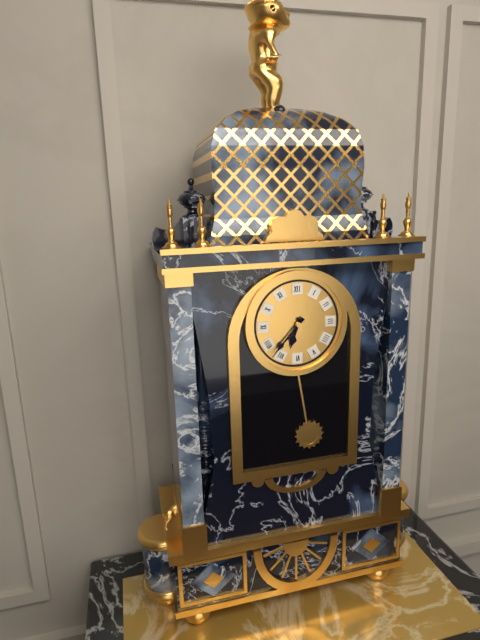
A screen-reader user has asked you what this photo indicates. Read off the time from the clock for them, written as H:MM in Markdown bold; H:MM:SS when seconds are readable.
**6:37**
